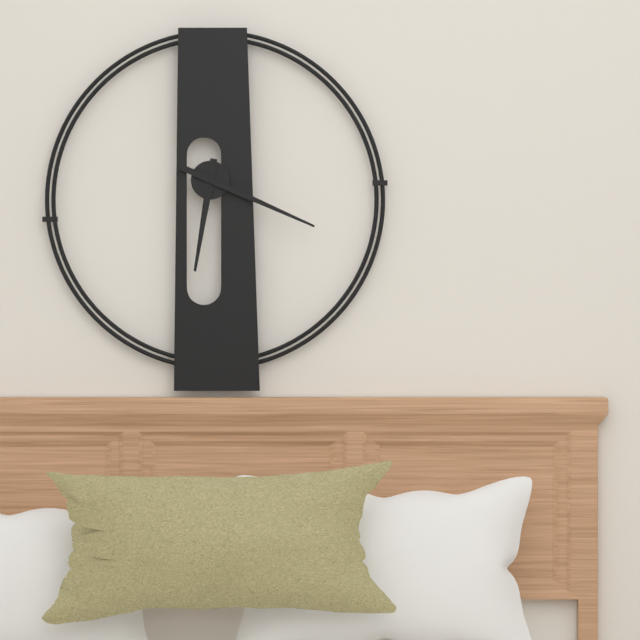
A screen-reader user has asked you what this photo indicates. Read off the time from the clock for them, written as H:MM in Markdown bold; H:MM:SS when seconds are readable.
**6:19**
